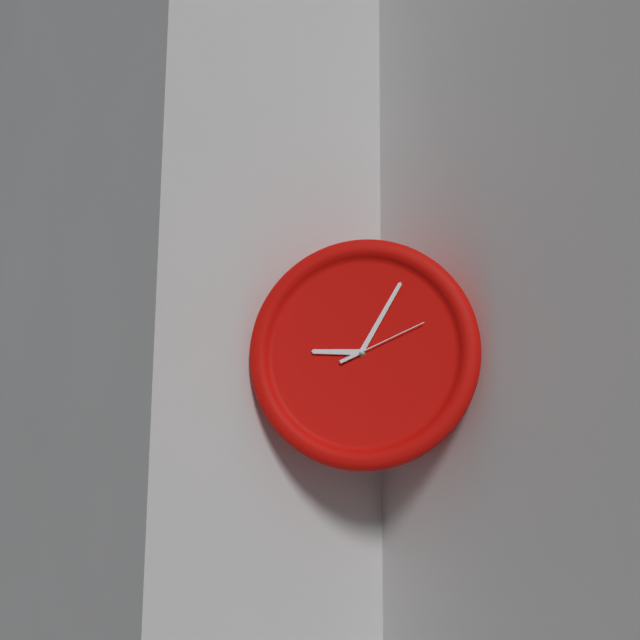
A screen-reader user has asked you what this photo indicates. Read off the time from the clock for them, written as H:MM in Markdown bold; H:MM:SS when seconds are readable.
**9:05:11**
